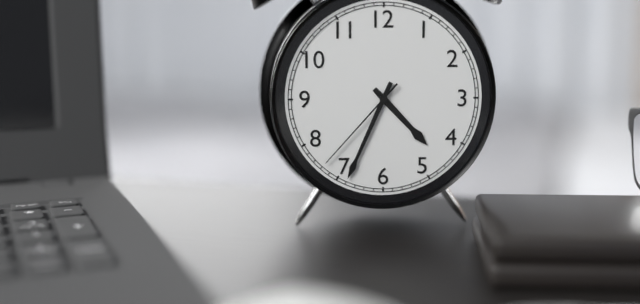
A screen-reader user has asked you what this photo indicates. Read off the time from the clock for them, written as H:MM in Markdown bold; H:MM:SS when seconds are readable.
**4:34:37**
